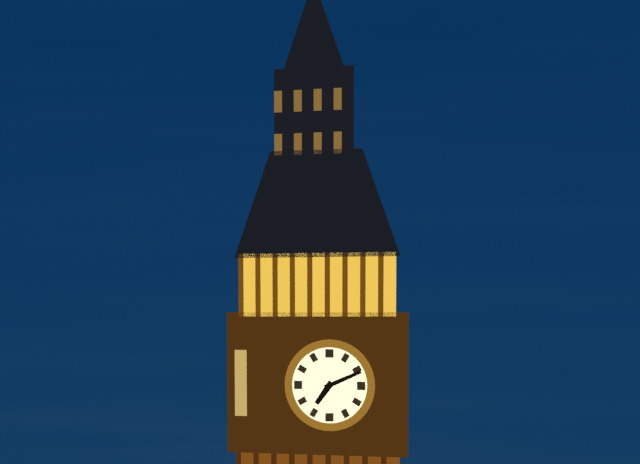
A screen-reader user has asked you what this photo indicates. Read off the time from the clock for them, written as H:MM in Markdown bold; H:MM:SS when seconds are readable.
**7:11**
